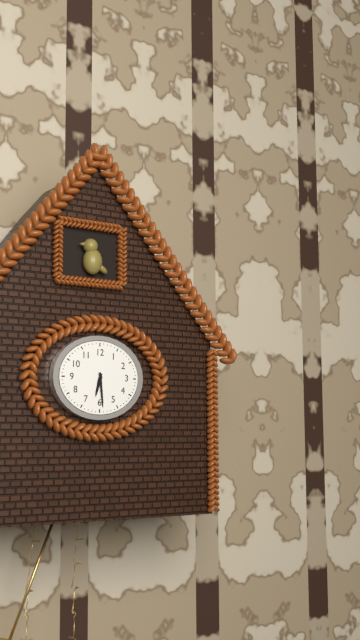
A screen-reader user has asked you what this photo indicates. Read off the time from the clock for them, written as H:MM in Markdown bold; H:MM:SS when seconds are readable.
**6:29**
